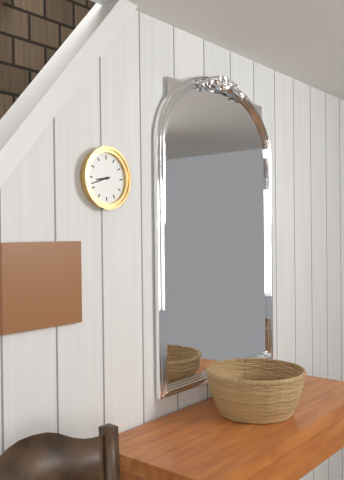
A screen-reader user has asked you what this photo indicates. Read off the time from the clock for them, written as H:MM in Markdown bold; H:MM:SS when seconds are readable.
**8:42**
